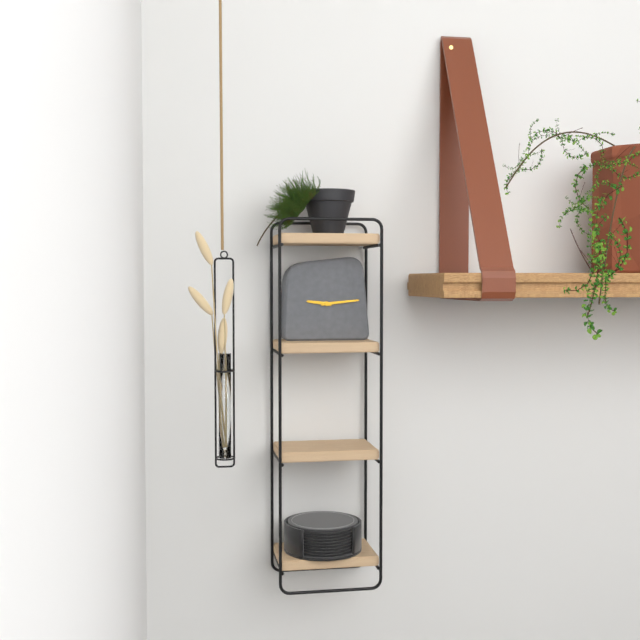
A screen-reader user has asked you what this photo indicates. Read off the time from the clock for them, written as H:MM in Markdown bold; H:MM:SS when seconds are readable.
**9:14**
